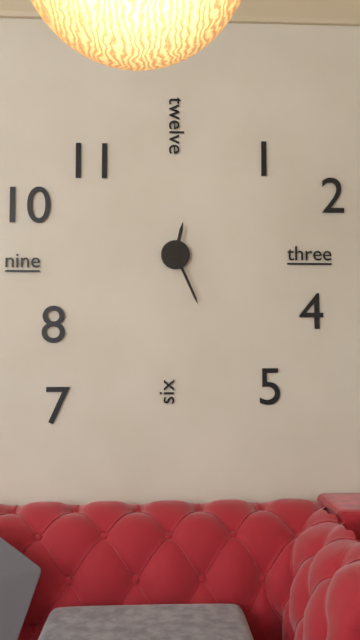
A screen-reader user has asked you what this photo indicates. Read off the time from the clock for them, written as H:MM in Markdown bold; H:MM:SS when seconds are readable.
**12:26**
